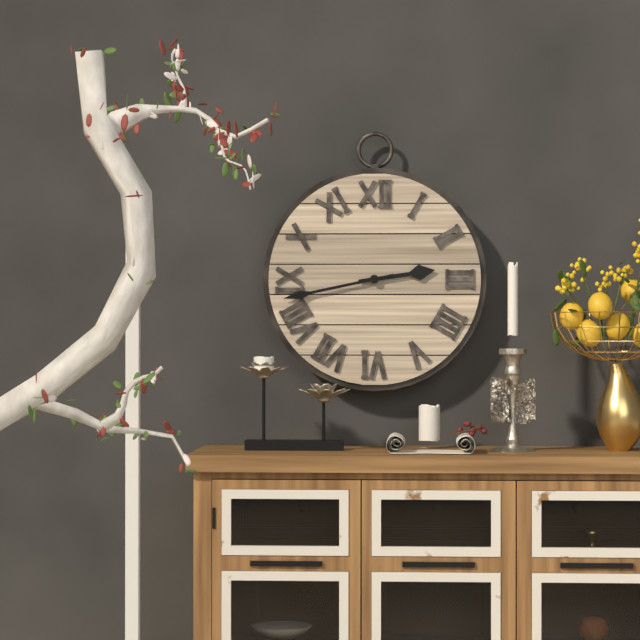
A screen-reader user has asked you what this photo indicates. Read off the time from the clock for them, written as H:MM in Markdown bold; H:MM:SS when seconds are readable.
**2:43**
